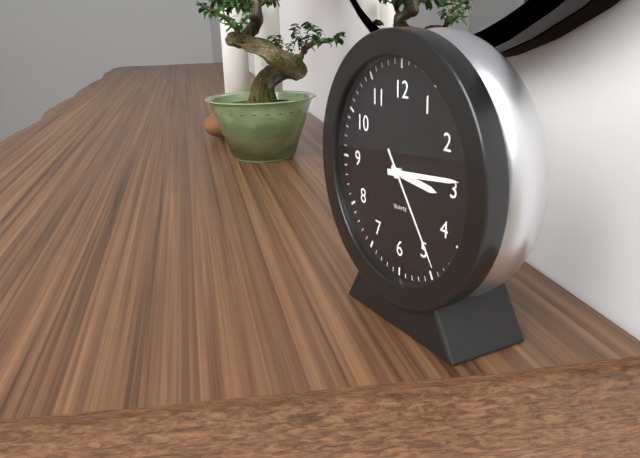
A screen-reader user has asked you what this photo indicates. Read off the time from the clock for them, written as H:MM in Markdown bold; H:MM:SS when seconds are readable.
**3:14:24**
